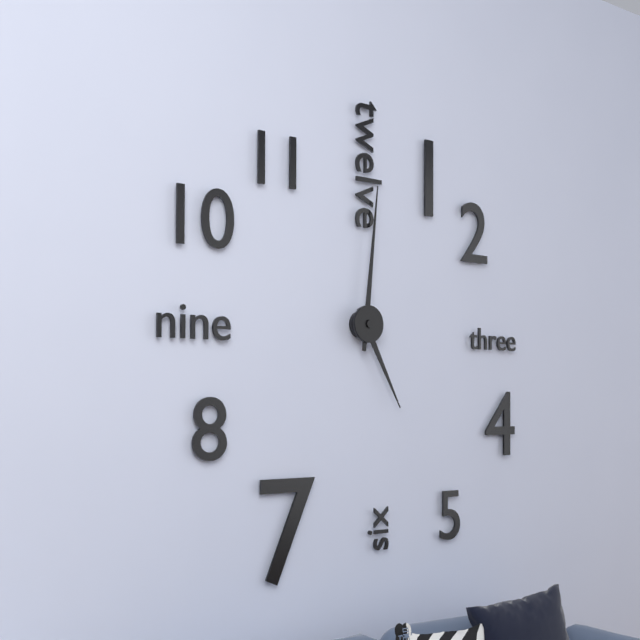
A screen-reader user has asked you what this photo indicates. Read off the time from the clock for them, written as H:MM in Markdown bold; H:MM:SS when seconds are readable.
**5:01**
